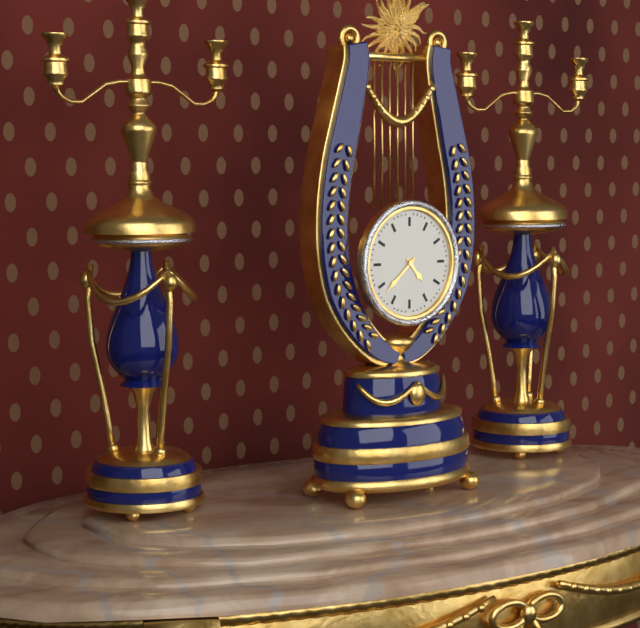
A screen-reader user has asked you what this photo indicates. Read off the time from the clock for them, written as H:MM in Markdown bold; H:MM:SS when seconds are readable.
**4:38**
